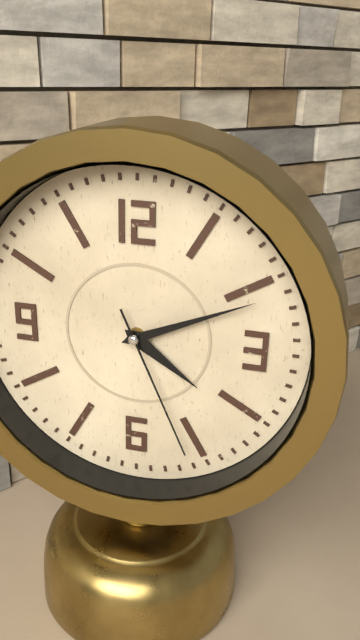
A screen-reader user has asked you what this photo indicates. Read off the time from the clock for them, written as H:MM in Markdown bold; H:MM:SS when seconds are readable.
**4:11:26**
